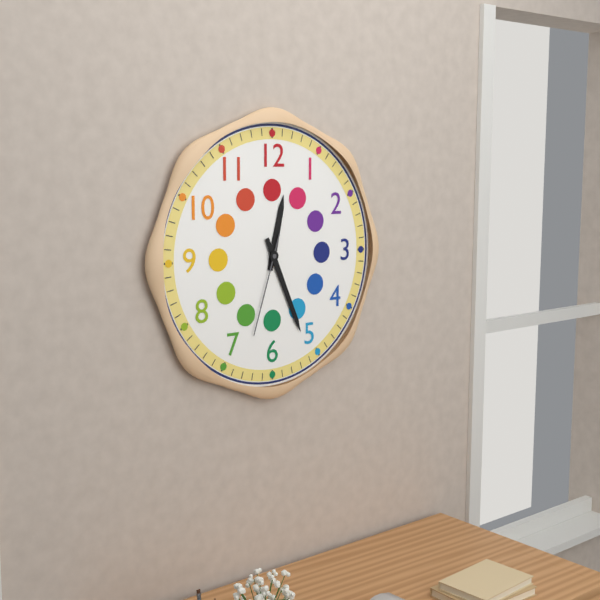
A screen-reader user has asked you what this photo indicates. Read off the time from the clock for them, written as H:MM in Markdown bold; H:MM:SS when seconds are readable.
**12:26:33**
